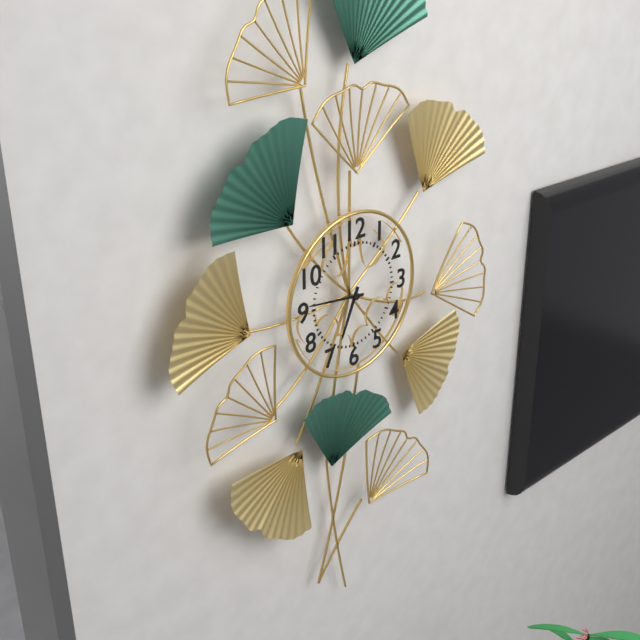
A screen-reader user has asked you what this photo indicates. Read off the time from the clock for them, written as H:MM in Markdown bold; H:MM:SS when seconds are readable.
**6:46**
